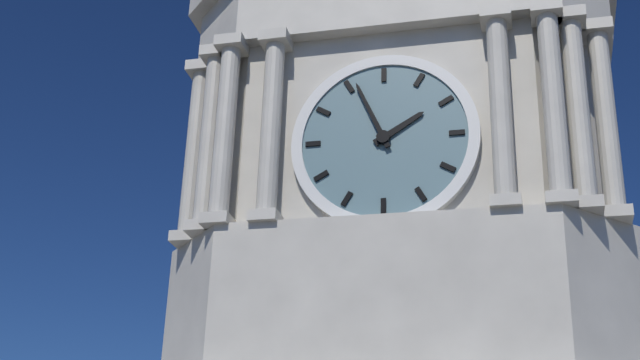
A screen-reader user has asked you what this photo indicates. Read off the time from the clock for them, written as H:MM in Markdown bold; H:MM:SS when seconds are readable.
**1:56**
